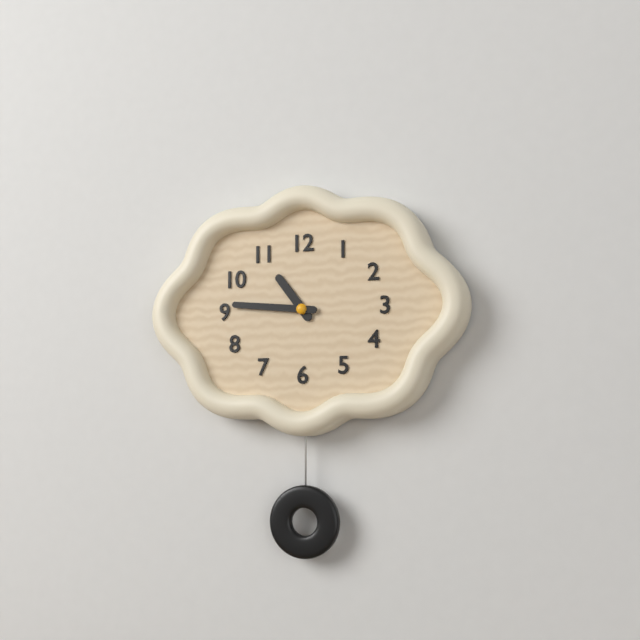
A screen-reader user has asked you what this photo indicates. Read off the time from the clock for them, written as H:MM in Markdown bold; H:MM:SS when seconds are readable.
**10:46**
